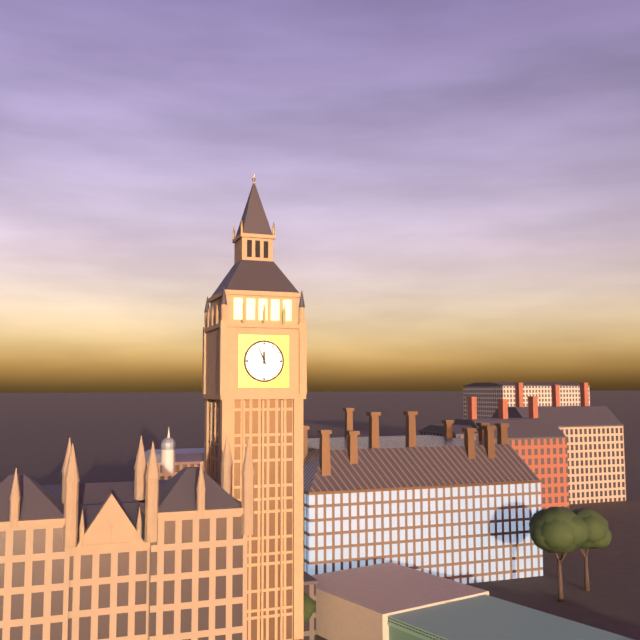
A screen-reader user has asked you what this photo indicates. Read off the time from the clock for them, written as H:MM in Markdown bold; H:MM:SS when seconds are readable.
**11:56**
